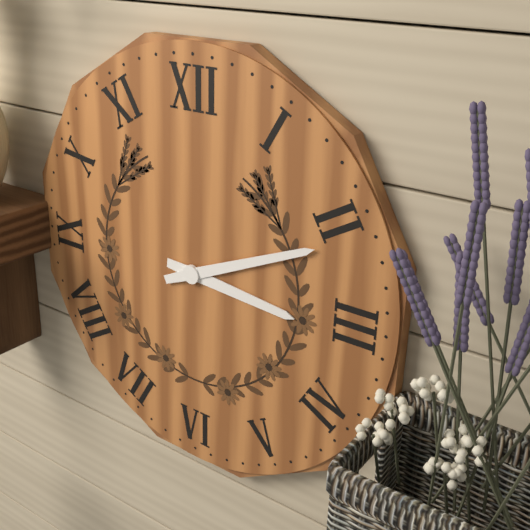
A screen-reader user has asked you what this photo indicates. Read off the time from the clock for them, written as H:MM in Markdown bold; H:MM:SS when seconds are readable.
**3:11**
